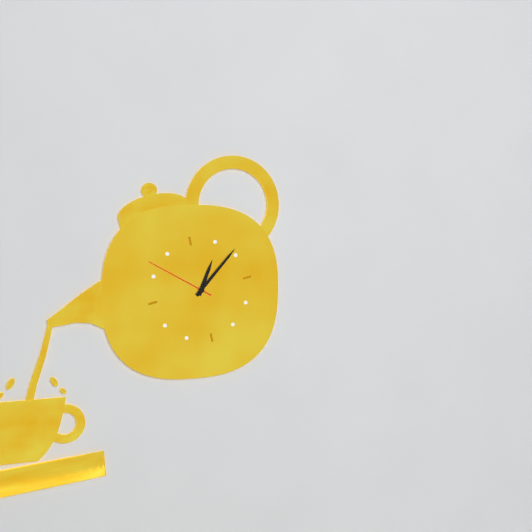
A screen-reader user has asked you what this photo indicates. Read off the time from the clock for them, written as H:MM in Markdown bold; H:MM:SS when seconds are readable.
**1:09:52**
